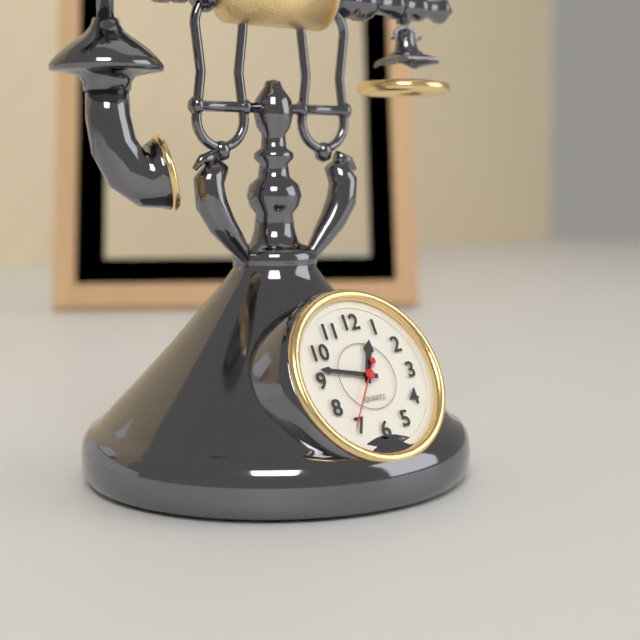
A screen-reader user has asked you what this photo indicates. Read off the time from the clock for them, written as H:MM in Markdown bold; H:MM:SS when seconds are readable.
**12:47:36**
